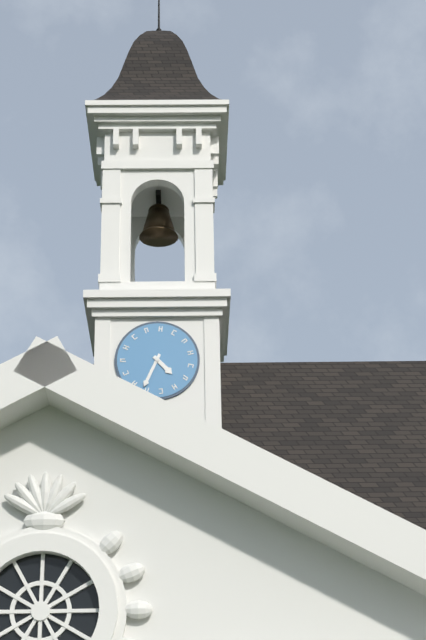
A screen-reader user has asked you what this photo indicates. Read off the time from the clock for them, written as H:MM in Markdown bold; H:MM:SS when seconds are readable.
**4:34**
